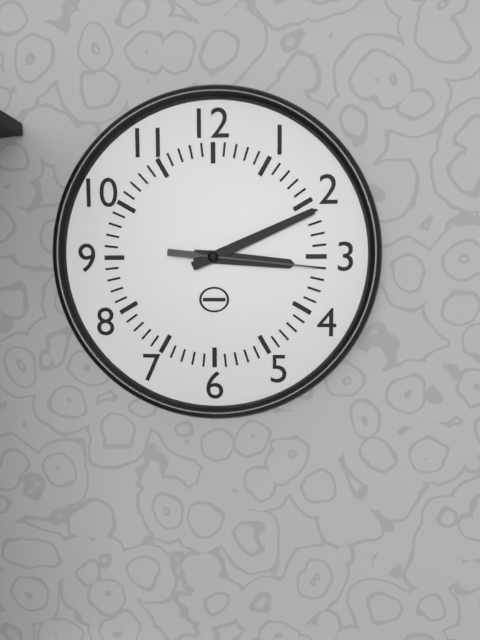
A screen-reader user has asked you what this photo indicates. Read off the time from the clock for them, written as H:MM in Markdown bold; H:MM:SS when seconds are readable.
**3:11:16**
